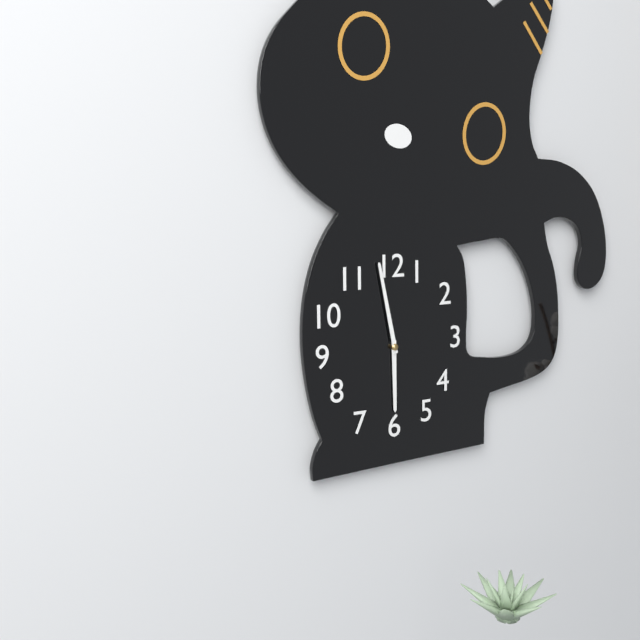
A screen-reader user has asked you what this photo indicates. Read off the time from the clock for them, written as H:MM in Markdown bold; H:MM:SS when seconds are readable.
**5:58**
